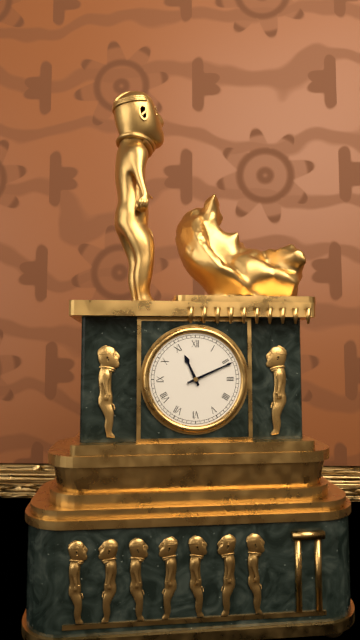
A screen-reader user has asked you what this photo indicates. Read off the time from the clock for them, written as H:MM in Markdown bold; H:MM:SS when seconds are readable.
**11:11**
